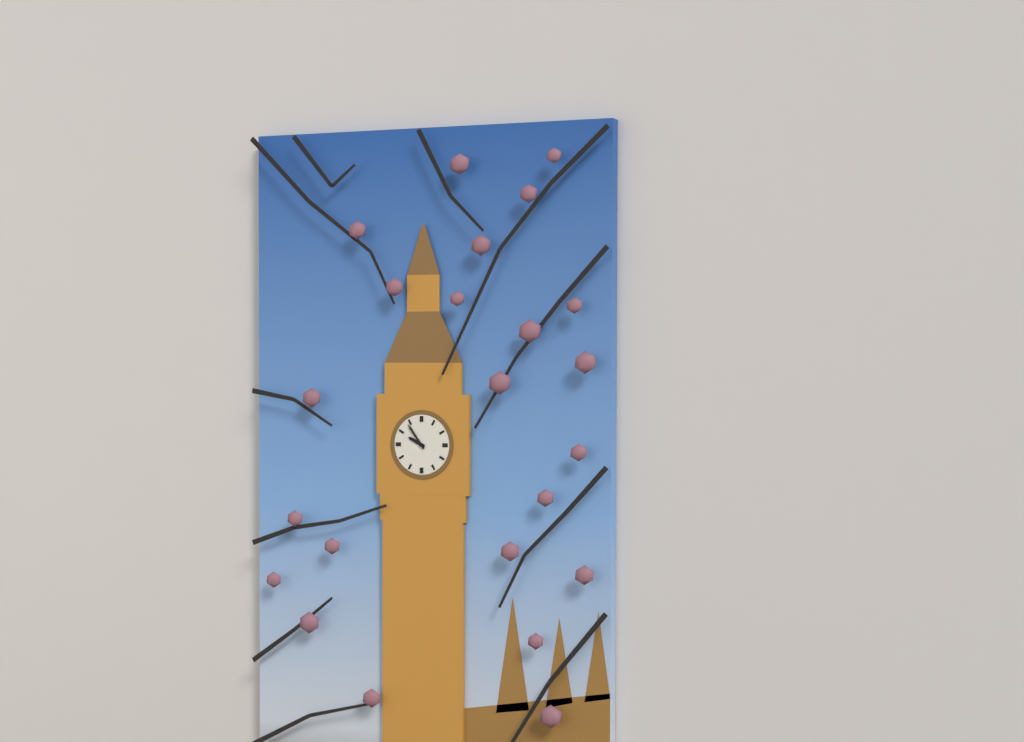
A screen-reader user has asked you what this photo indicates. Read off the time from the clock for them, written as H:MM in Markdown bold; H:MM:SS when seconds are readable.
**9:54**
